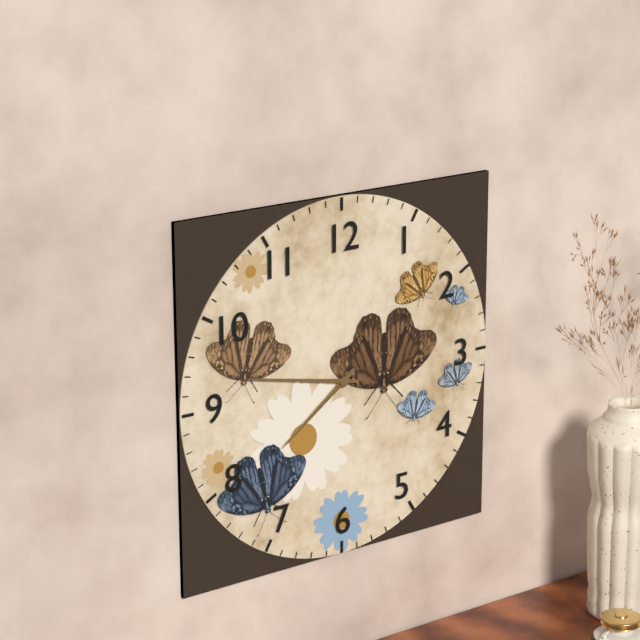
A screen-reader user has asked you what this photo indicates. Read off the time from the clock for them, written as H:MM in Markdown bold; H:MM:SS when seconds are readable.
**7:47**
